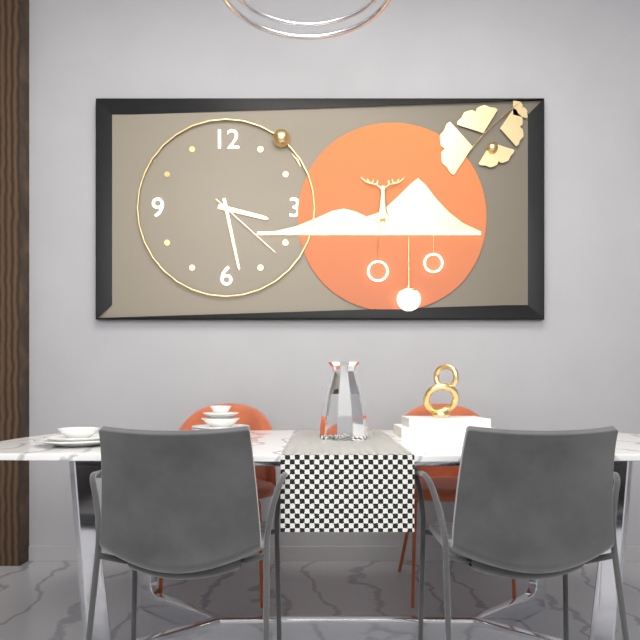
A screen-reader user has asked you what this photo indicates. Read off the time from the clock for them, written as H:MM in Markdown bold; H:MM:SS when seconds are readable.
**3:28:22**
